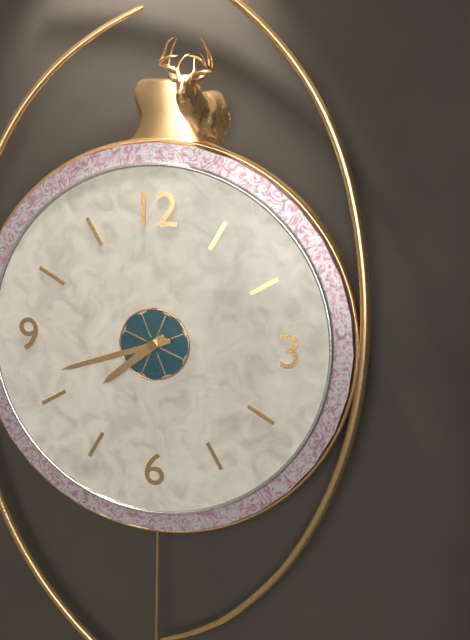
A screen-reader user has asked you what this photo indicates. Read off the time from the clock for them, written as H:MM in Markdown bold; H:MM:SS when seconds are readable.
**7:42**
